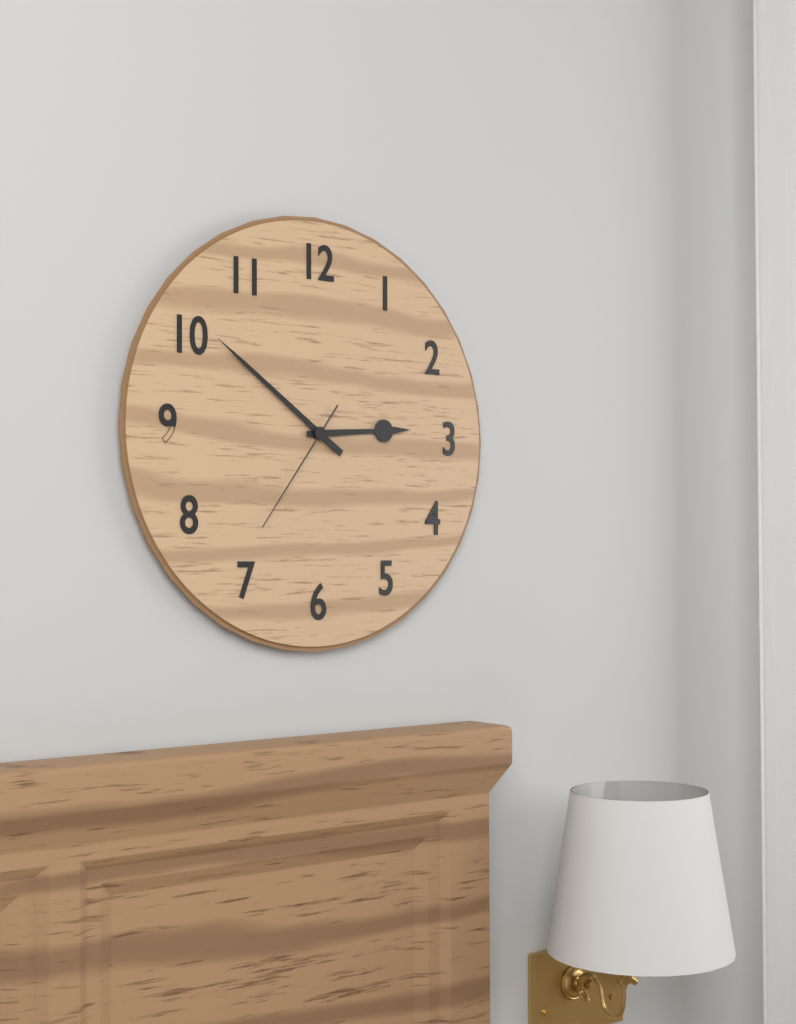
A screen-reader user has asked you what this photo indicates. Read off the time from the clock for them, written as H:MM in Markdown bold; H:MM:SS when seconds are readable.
**2:51:36**
